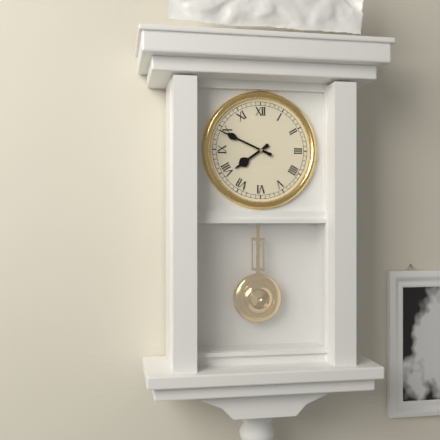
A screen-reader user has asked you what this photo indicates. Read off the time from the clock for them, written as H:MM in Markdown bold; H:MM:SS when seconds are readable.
**7:49**
